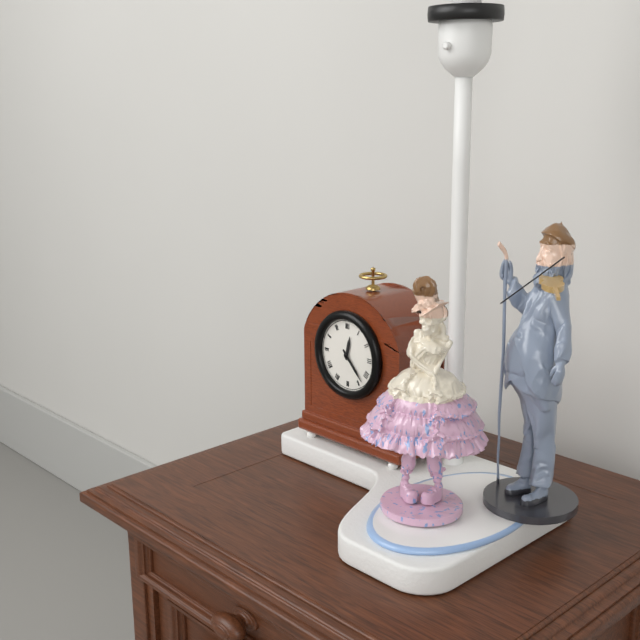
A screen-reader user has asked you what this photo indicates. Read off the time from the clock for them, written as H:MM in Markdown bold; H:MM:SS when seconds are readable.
**12:23**
